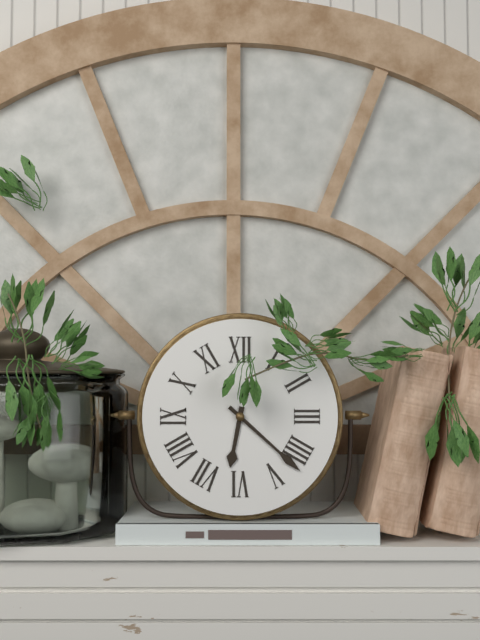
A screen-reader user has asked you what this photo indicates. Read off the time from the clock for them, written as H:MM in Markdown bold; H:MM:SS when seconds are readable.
**6:22**
